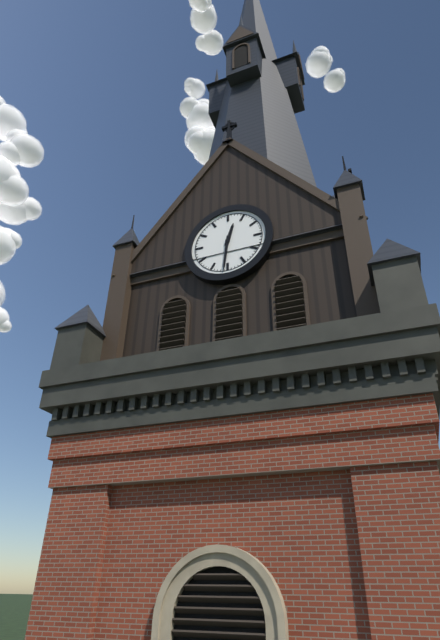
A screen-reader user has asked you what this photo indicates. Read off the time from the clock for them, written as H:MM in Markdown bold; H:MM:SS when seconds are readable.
**12:31**
